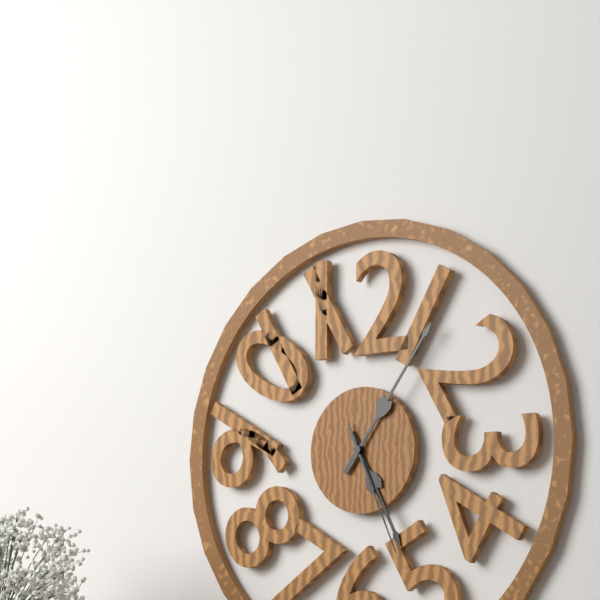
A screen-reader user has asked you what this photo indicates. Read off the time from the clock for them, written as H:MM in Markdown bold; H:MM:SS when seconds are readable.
**5:06:26**
